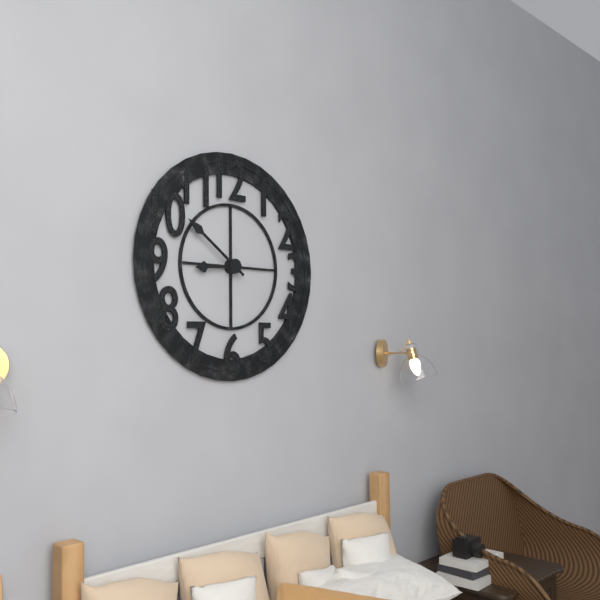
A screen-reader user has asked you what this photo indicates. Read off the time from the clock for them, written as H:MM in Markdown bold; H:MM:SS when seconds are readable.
**8:51**
